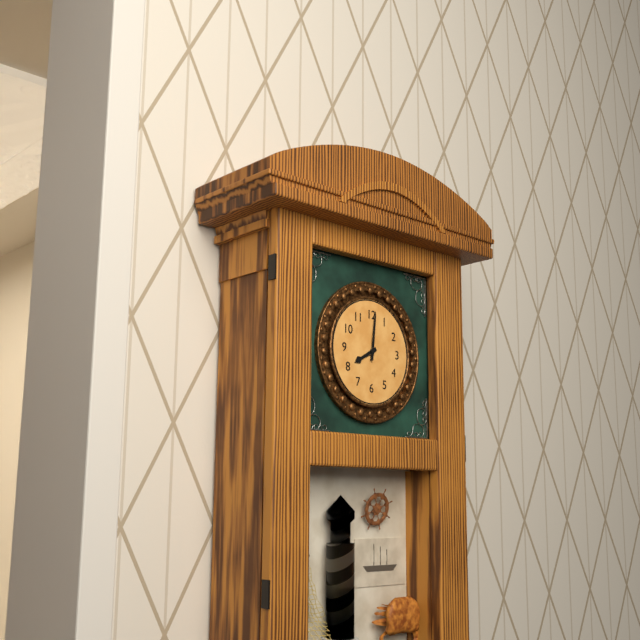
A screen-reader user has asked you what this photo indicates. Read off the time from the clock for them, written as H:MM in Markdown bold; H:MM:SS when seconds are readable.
**8:01**
